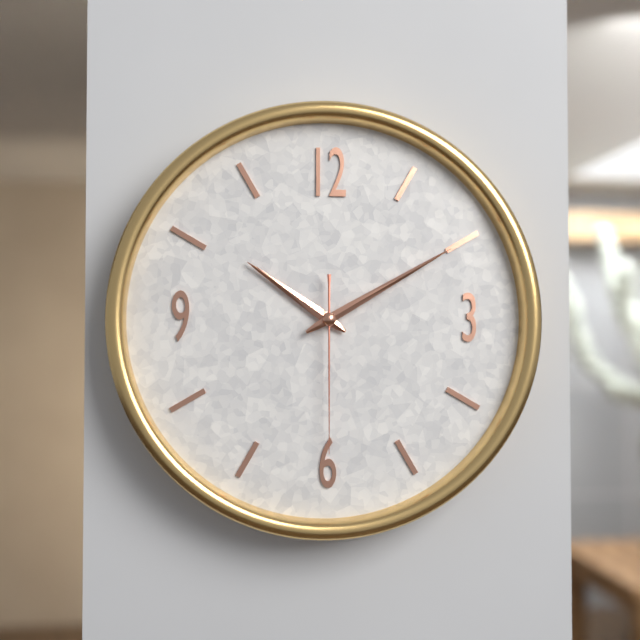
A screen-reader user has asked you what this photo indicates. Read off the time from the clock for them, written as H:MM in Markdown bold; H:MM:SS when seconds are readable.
**10:10:30**
